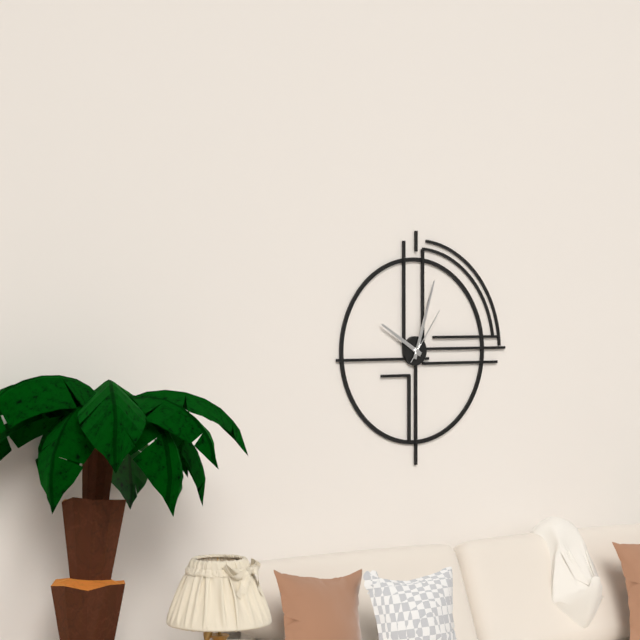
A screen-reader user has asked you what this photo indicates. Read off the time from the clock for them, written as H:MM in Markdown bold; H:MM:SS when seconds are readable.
**10:03:06**
